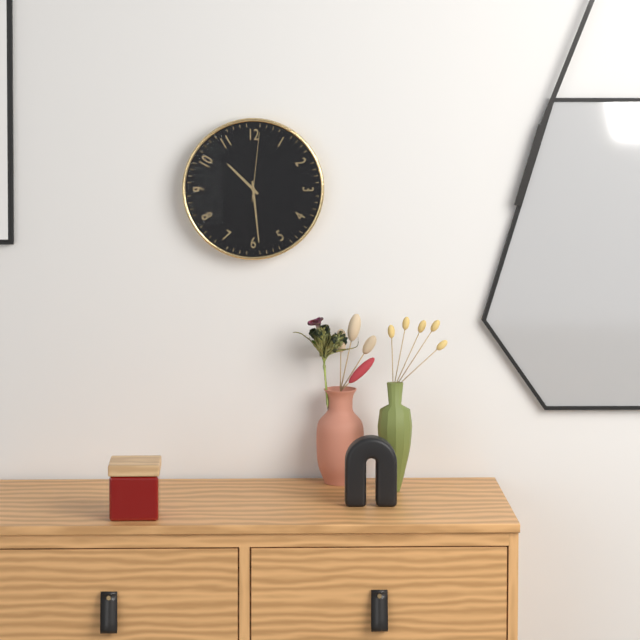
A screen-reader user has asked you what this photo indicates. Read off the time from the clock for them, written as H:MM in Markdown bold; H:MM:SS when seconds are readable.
**10:29:01**
